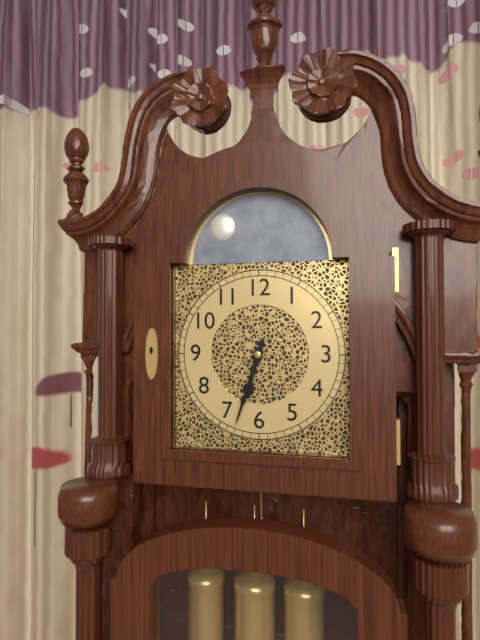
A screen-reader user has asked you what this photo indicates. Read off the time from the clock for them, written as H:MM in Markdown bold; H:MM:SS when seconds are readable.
**6:33**
